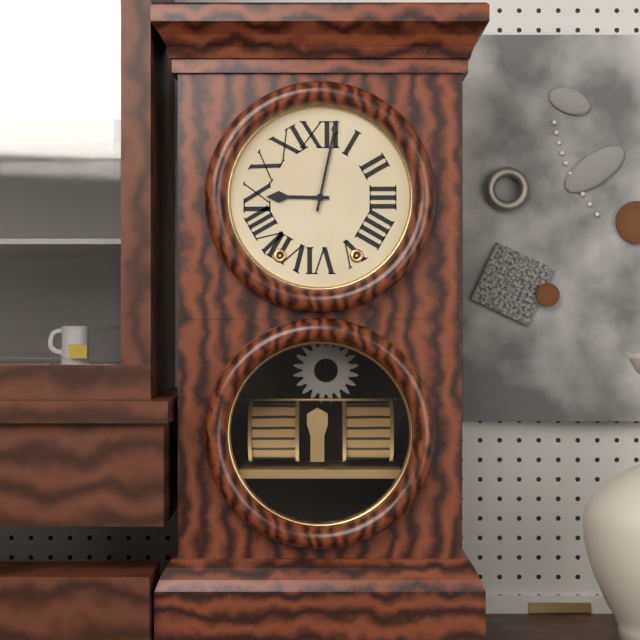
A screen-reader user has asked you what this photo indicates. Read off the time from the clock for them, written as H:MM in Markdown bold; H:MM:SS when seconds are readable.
**9:02**
